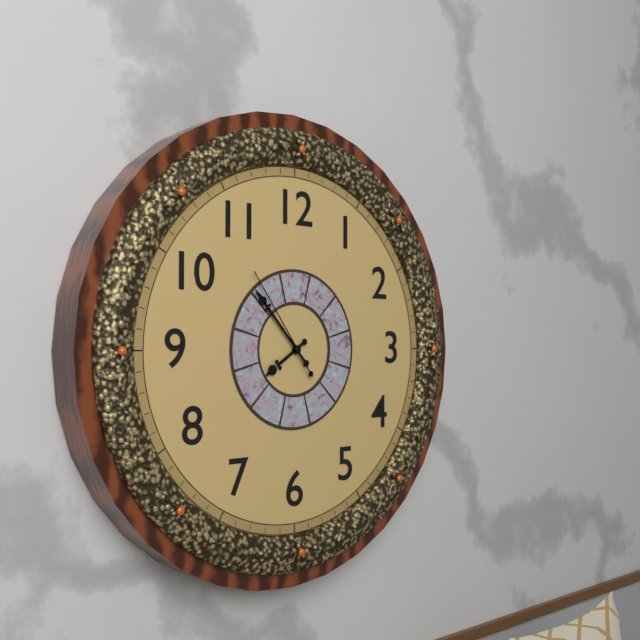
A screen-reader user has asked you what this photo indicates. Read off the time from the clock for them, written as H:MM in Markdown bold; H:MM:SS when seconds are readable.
**7:53:54**
